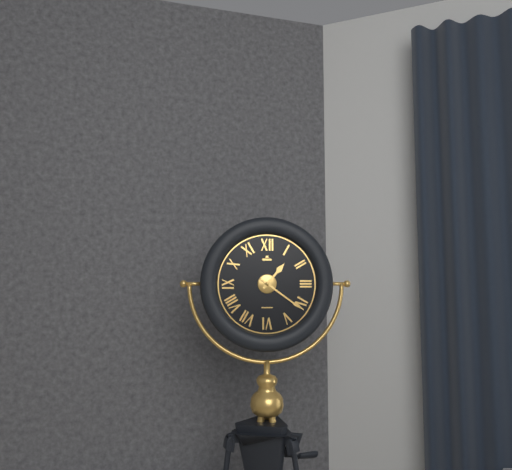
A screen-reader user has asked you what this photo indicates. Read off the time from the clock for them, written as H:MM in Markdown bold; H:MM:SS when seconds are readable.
**1:21**
